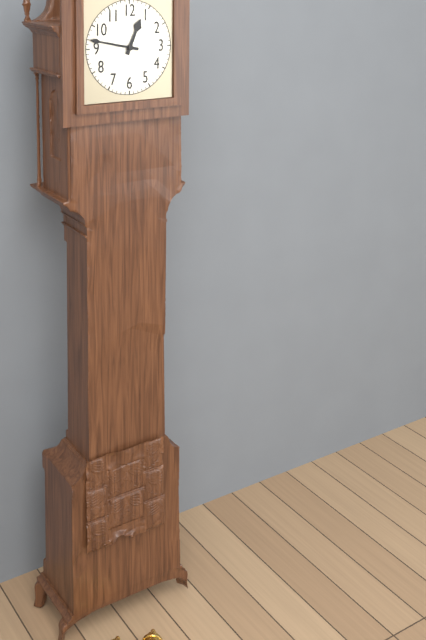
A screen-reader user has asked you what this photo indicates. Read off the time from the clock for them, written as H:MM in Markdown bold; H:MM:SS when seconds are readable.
**12:47**
